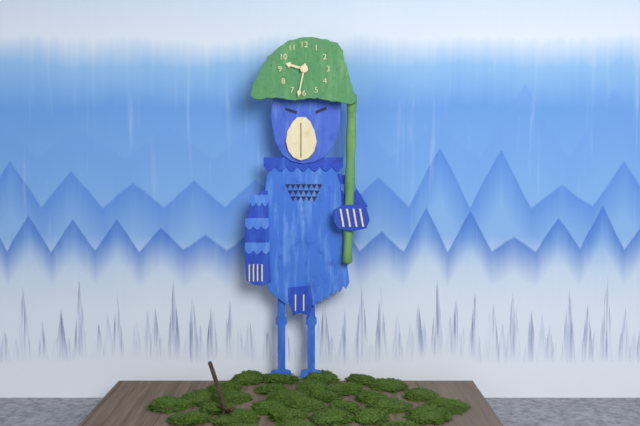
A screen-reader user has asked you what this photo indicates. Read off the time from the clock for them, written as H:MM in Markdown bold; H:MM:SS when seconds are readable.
**9:32**
